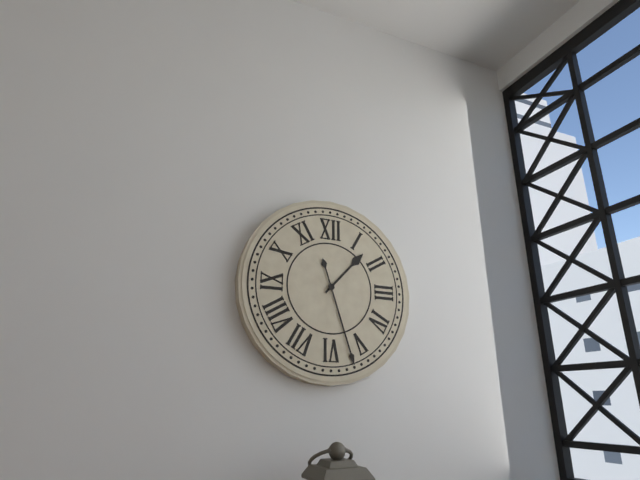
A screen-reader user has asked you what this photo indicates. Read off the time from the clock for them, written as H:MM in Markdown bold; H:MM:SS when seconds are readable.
**1:27**
